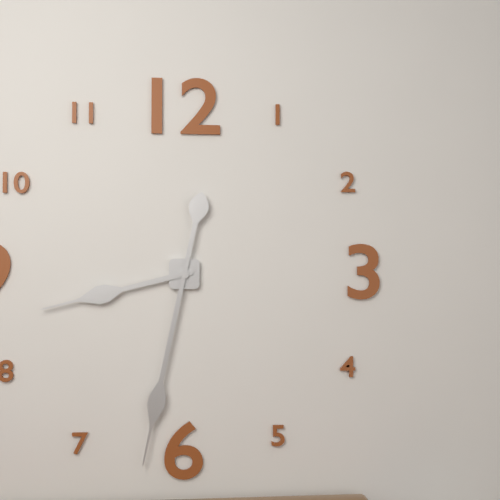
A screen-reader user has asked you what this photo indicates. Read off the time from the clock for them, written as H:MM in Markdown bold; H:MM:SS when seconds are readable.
**8:32**
